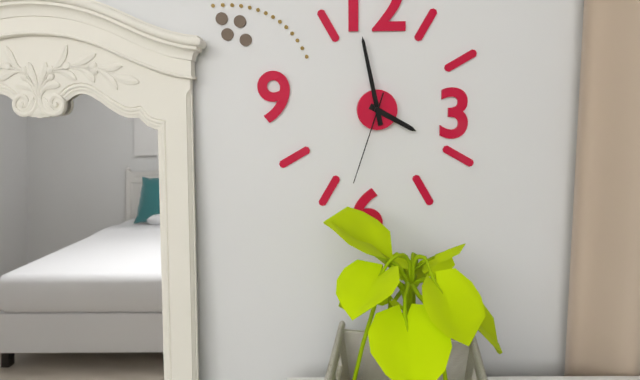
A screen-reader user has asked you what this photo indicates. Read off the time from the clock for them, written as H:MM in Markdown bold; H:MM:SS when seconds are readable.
**3:58:33**
